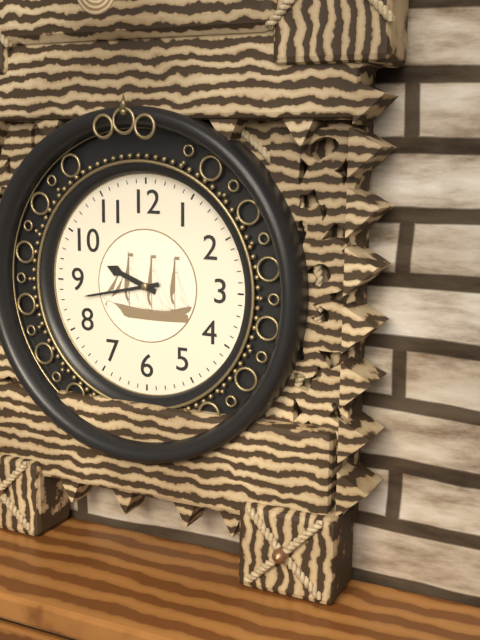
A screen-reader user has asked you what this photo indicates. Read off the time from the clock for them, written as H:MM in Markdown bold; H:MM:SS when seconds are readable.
**9:43**
